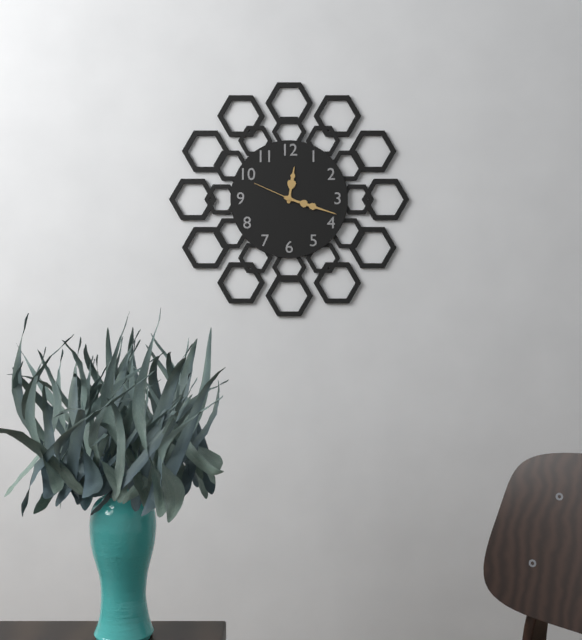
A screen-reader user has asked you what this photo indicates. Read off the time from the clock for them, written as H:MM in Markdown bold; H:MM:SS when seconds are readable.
**12:18**
